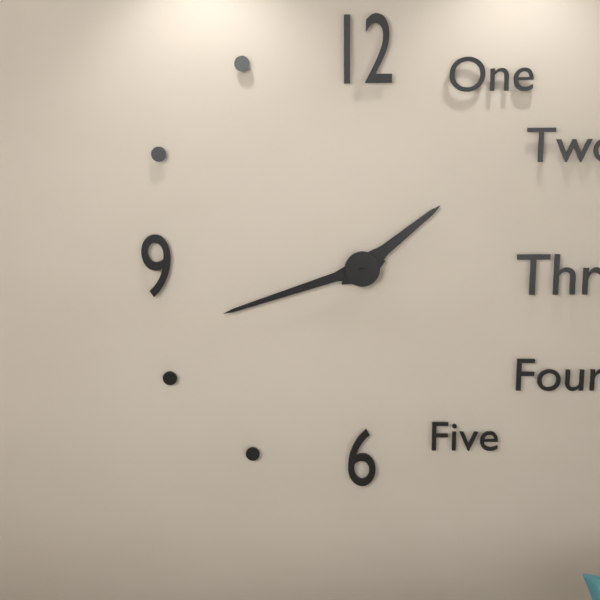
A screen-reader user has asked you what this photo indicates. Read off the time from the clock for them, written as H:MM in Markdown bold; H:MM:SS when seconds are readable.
**1:42**
